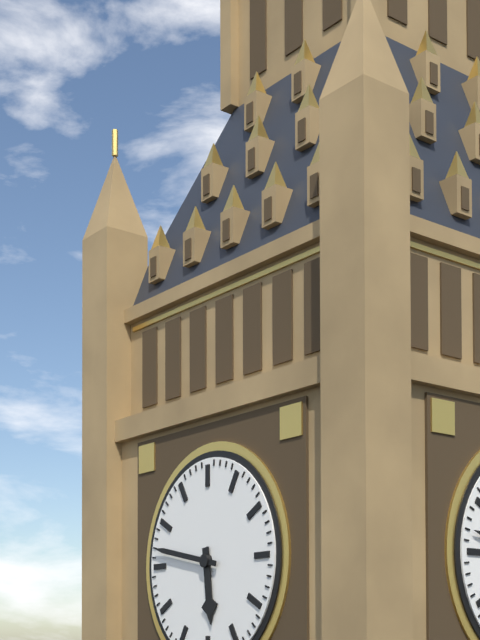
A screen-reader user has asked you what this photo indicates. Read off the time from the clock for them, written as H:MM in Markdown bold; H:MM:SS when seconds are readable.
**5:47**
